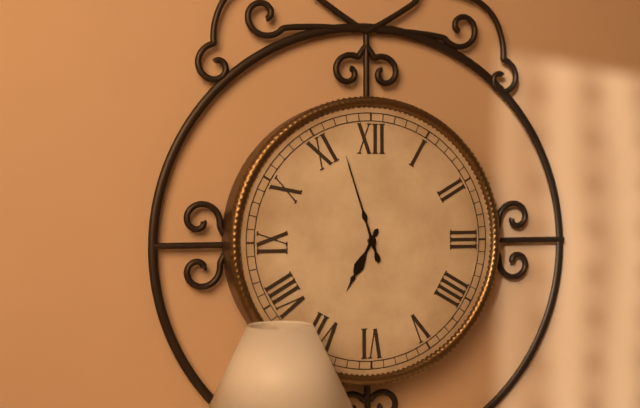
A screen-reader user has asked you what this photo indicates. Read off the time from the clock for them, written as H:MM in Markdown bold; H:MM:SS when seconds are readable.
**6:57**
